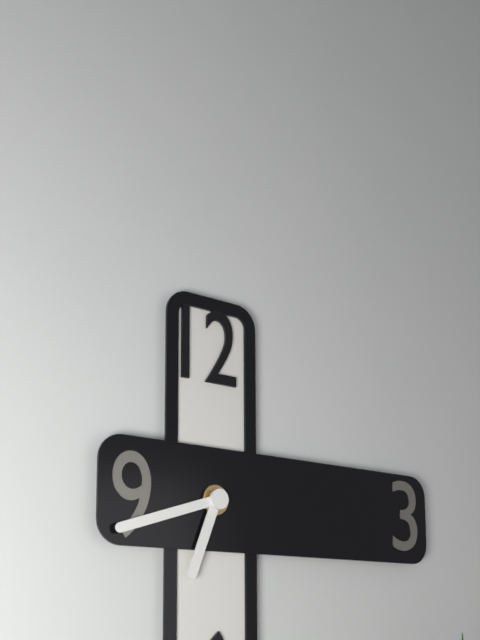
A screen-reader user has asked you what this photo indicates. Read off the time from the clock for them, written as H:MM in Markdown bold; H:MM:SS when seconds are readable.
**6:42**
